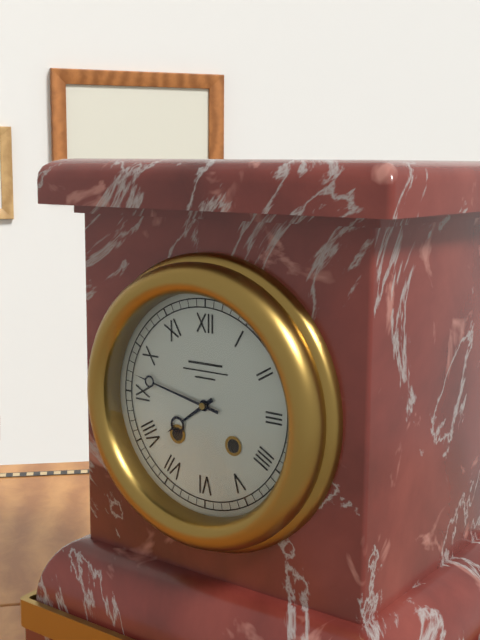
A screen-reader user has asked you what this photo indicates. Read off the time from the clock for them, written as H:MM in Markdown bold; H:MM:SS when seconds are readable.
**7:47**
